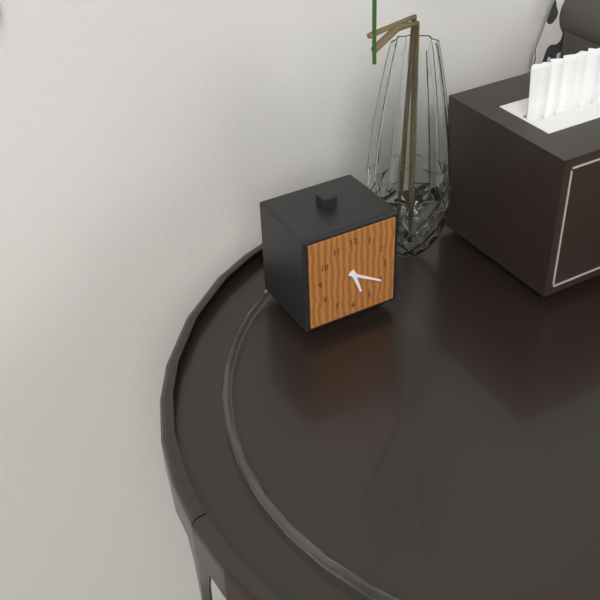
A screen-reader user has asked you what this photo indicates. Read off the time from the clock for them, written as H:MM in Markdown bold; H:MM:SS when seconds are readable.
**5:20**
